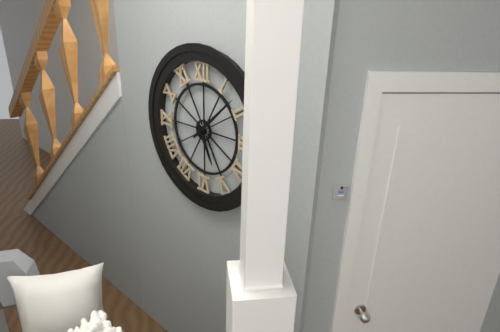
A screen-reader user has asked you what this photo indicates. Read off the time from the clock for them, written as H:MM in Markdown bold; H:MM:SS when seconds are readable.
**5:08**
